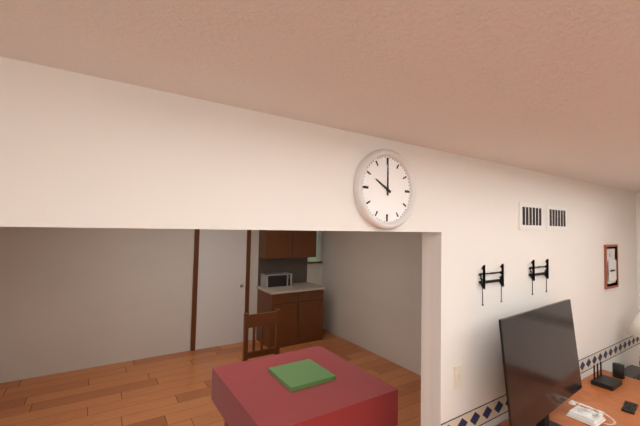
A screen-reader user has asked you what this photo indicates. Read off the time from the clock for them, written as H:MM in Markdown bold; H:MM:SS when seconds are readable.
**10:00**
